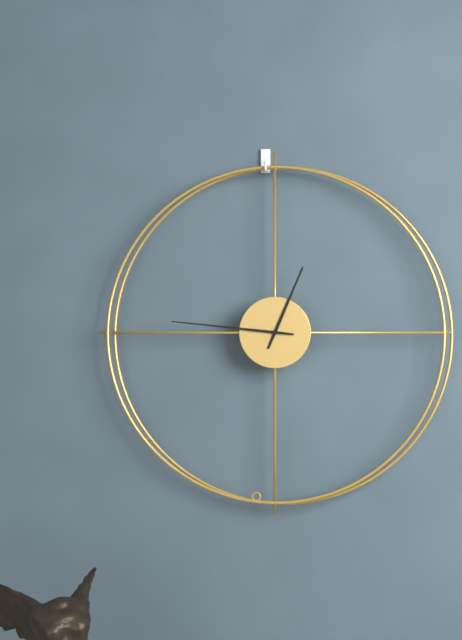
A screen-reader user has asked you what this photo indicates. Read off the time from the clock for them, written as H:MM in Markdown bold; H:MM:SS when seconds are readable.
**12:46**
